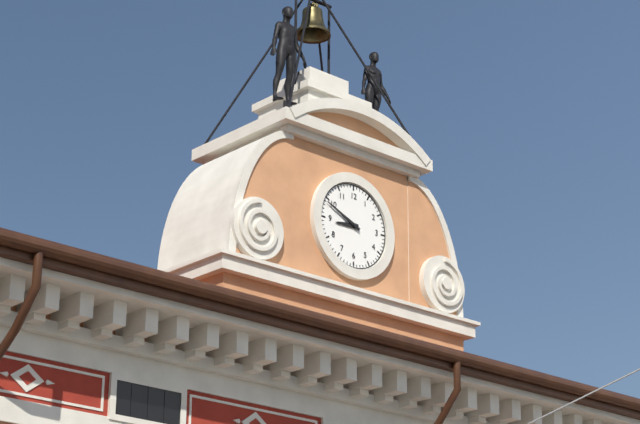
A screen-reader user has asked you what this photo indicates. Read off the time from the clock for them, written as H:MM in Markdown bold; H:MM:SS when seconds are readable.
**8:49**
